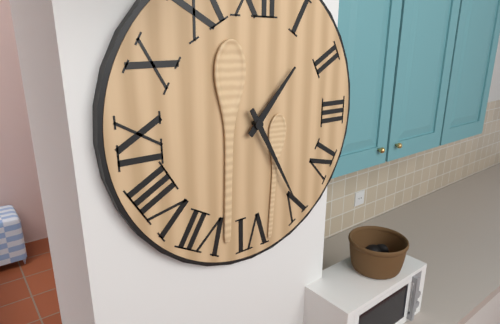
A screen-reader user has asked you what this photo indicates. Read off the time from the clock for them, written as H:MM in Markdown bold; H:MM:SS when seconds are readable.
**1:25**
